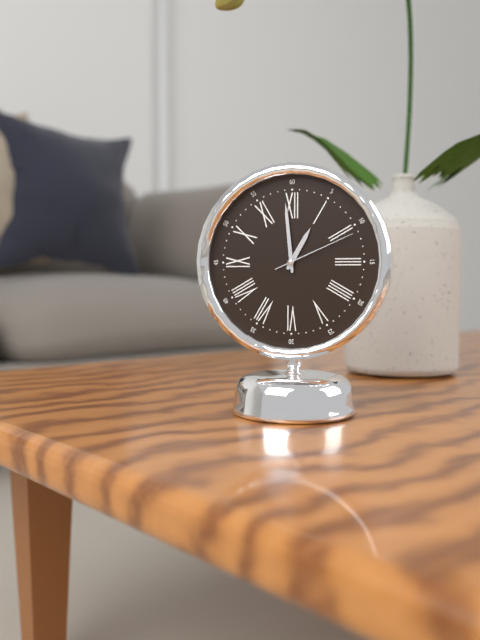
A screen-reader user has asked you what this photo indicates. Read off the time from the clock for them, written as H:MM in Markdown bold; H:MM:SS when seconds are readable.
**12:59:11**
